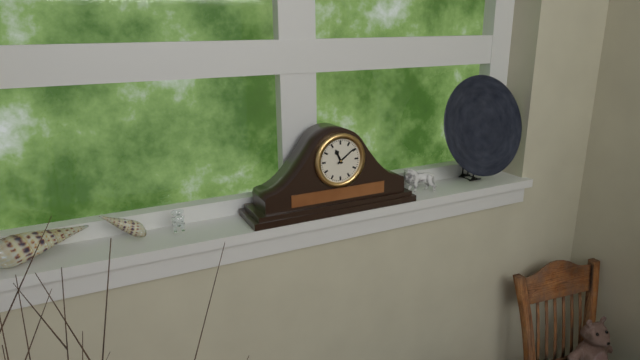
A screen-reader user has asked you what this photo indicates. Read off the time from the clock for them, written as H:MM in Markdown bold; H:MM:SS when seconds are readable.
**11:09**
